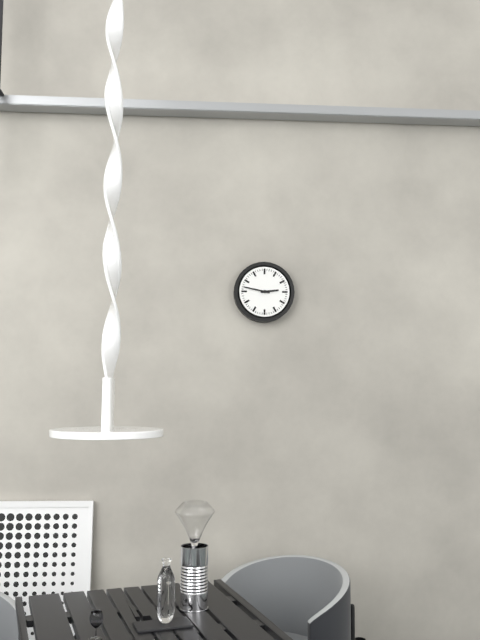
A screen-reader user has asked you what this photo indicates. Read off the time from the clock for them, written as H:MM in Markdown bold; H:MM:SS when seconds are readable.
**2:47**
